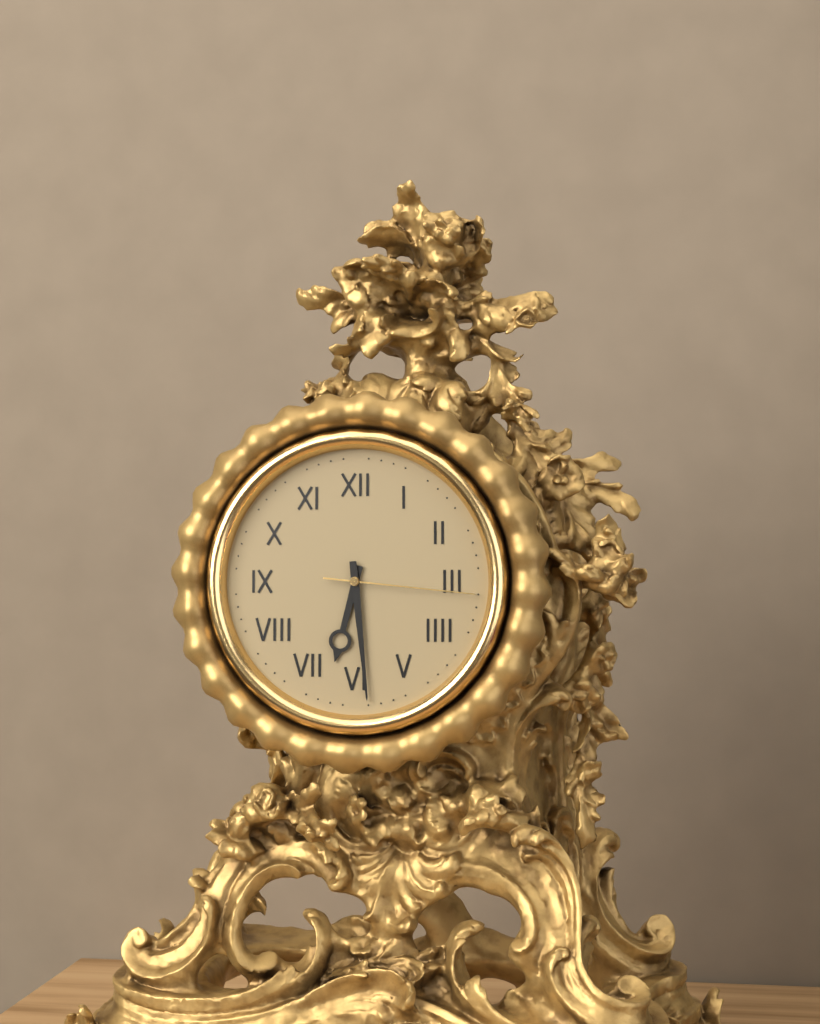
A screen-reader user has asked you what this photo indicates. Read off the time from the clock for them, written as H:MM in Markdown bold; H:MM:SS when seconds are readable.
**6:29:16**
